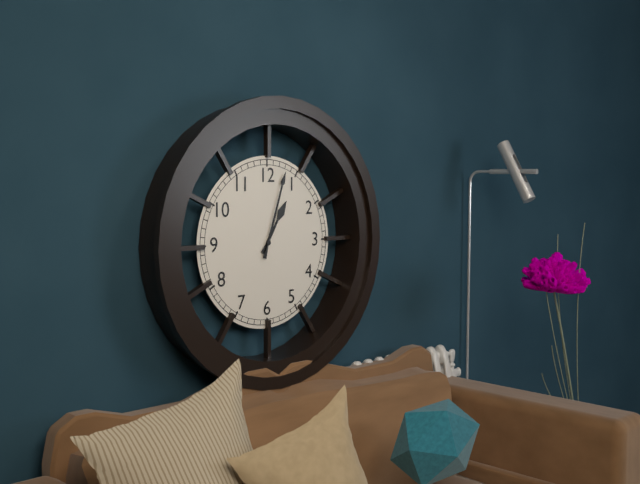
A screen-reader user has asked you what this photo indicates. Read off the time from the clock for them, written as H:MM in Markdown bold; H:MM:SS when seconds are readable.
**1:03**
